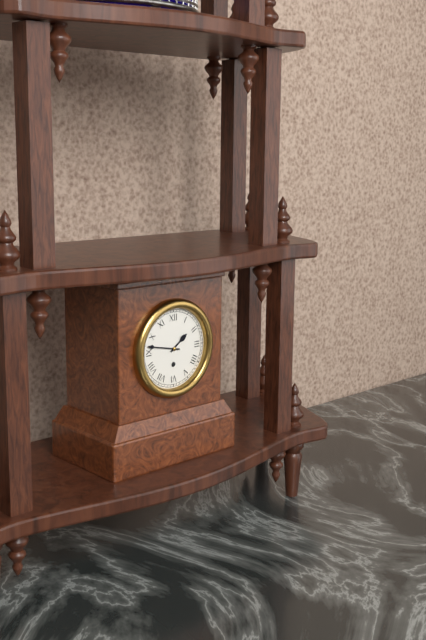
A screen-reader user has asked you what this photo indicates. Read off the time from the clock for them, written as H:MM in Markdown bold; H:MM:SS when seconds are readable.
**1:47**
